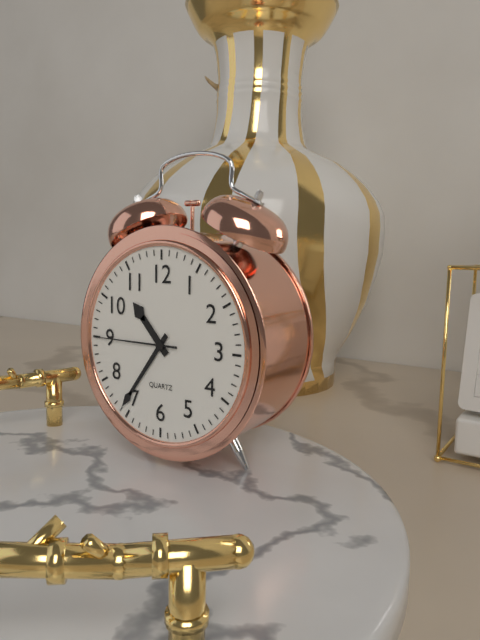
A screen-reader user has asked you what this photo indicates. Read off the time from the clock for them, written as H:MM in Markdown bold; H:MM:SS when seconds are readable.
**10:36:45**
